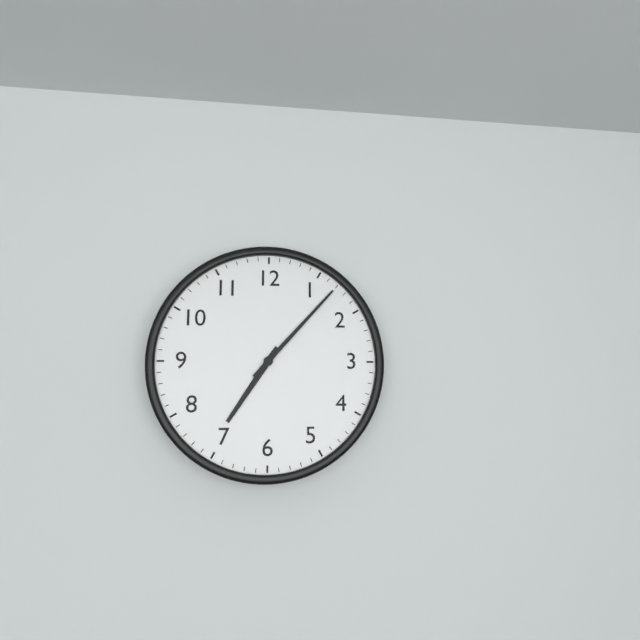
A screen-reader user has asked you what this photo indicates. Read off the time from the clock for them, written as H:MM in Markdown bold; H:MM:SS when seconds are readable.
**7:07**
